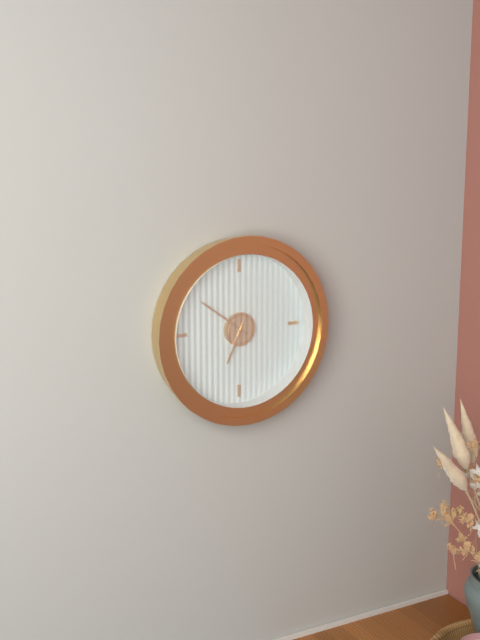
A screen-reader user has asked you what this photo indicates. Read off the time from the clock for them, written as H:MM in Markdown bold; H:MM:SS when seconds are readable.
**6:51**
